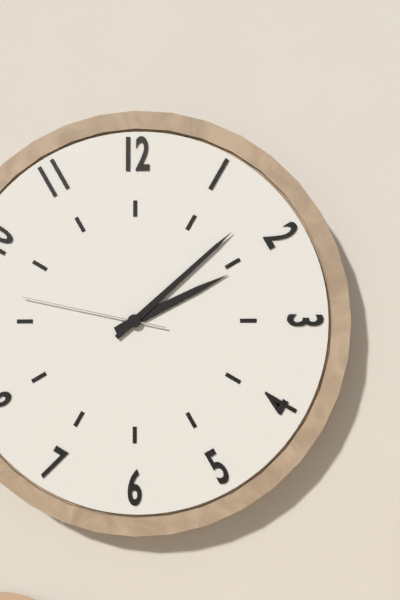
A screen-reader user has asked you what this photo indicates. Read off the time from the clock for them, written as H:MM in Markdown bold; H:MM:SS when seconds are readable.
**2:08:47**
